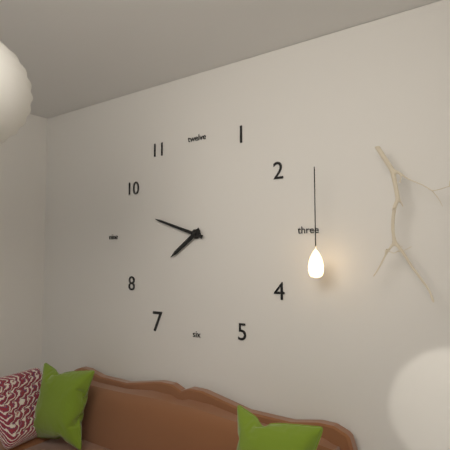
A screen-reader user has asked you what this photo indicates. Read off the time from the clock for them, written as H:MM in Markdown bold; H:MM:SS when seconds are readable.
**7:48**
